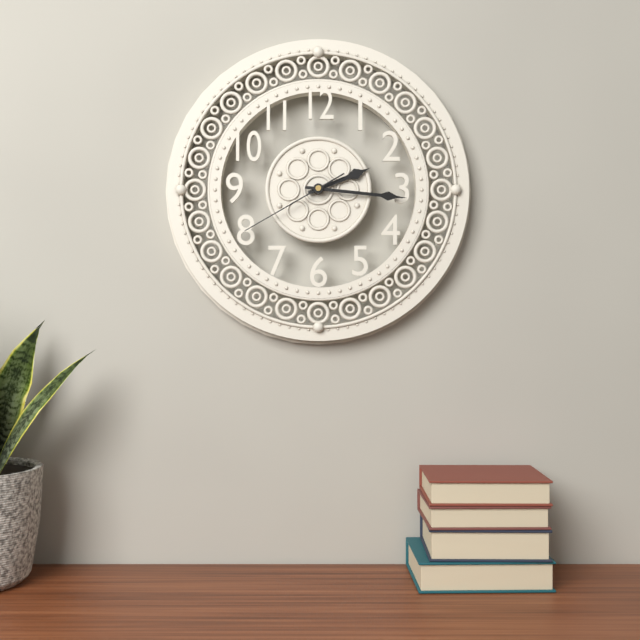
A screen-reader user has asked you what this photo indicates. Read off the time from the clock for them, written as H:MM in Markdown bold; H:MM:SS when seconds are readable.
**2:16:40**
